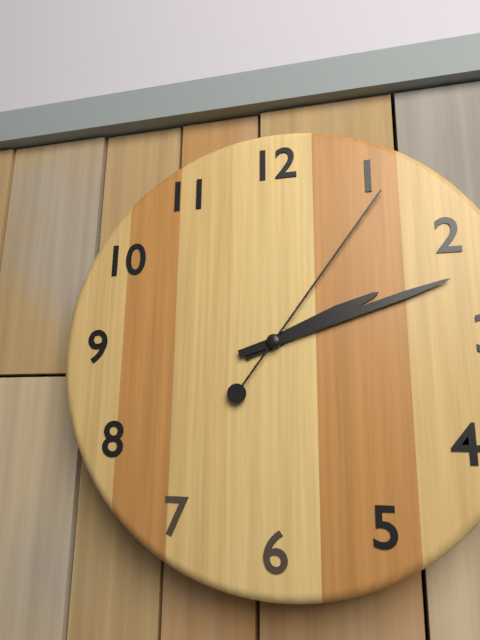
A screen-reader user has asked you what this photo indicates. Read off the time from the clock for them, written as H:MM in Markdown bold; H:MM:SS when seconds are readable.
**2:12:06**
